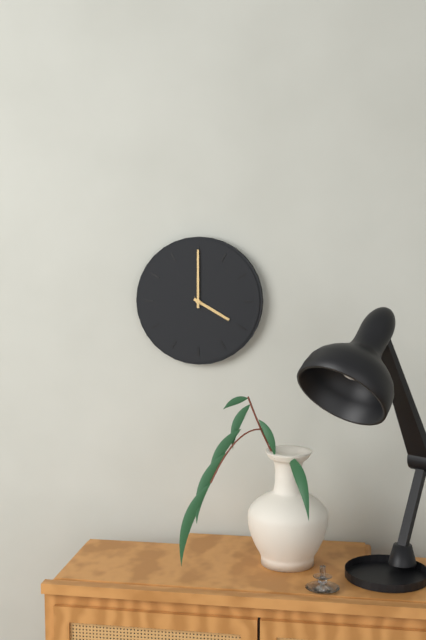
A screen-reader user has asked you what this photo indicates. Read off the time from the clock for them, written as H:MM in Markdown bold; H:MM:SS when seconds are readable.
**4:00**
